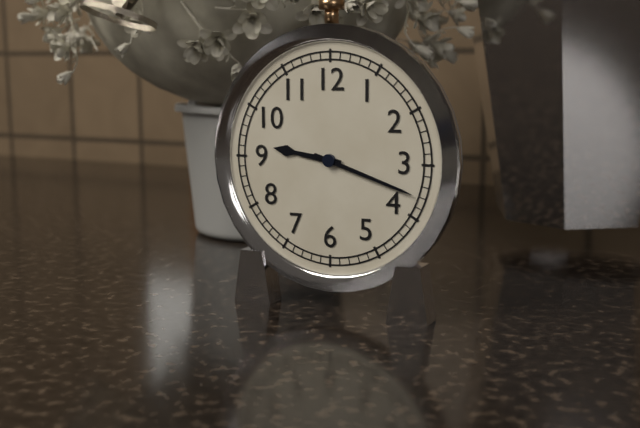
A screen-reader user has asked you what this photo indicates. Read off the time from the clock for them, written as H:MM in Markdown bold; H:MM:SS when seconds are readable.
**9:18**
